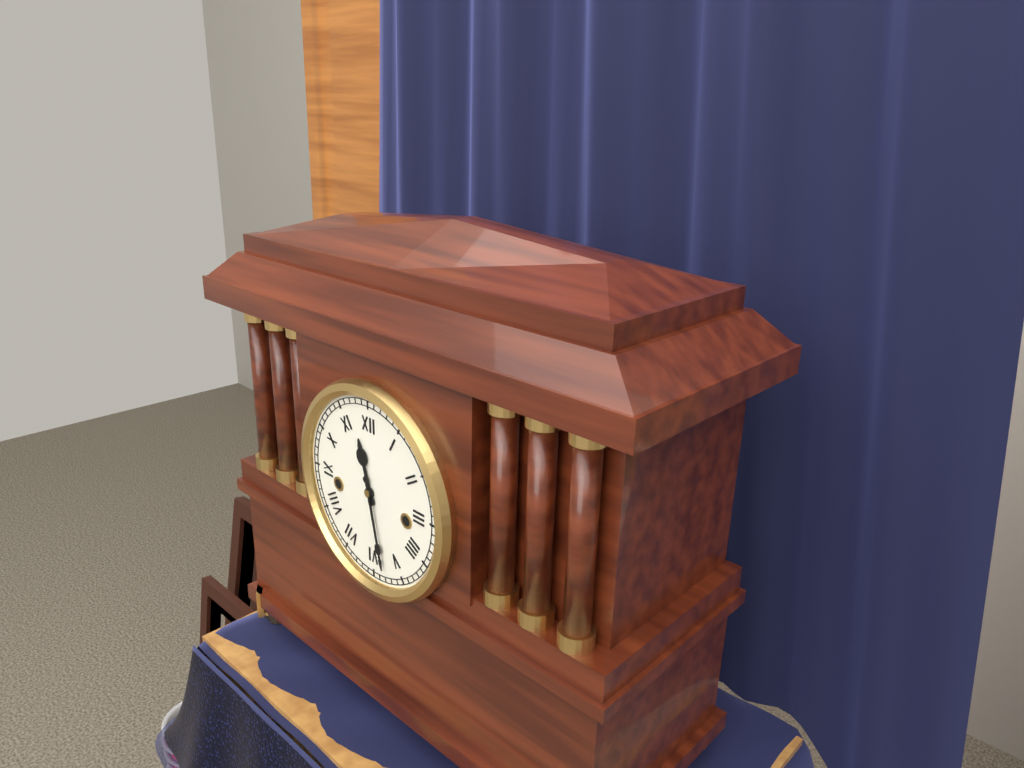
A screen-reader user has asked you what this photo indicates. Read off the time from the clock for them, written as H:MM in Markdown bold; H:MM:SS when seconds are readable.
**11:28**
